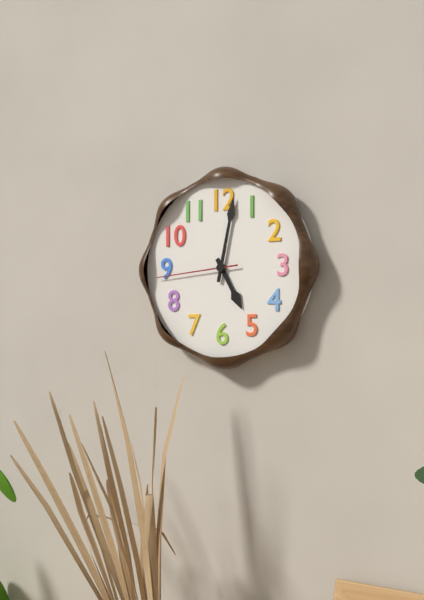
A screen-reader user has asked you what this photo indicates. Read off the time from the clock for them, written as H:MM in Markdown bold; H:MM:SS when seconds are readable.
**5:02:44**
